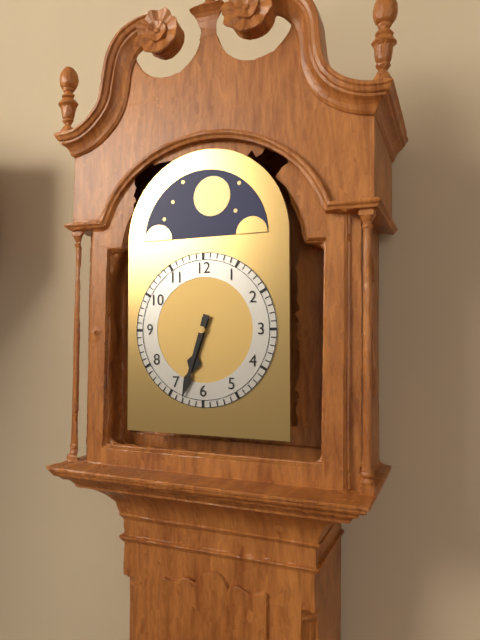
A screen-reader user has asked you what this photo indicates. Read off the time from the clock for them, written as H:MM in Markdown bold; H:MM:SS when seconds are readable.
**6:33**
